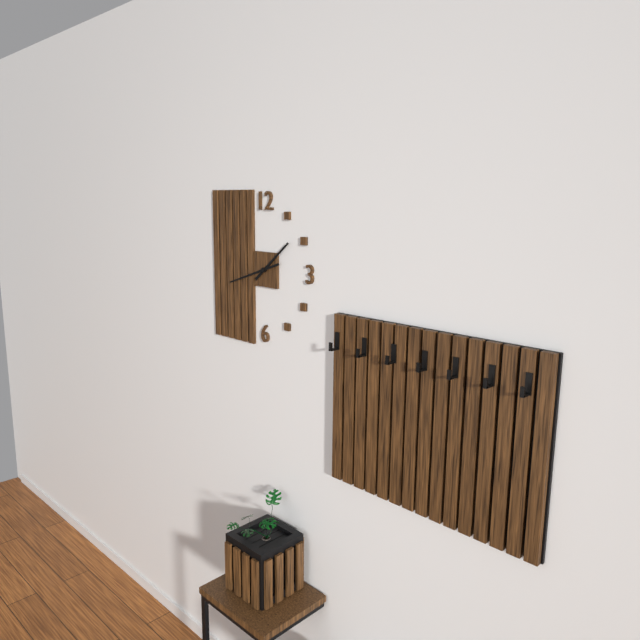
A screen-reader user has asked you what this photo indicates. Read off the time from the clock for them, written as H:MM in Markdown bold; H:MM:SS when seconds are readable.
**1:42**
